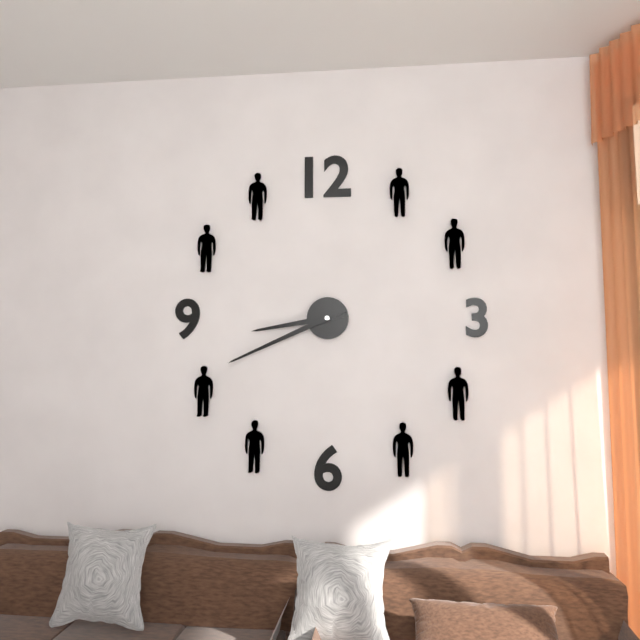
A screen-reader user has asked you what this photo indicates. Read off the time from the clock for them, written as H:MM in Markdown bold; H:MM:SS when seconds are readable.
**8:41**
